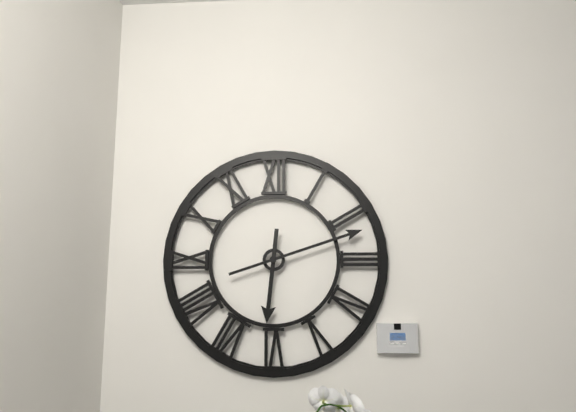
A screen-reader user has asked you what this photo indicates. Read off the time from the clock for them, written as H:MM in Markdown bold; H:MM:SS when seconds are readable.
**6:12**
